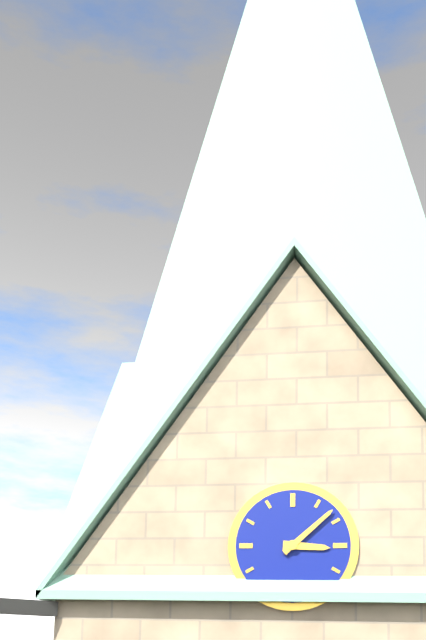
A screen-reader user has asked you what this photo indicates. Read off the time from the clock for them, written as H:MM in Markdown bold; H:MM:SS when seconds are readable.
**3:08**
